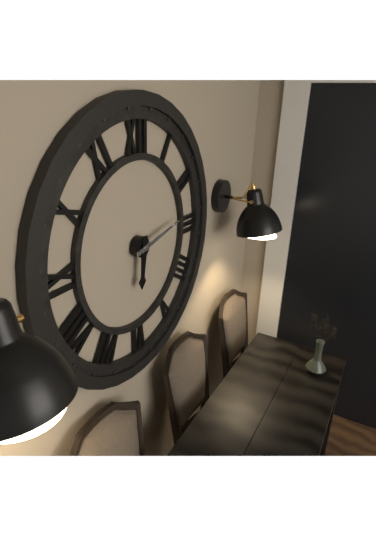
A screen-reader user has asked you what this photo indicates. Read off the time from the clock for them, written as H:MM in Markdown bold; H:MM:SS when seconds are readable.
**6:13**
